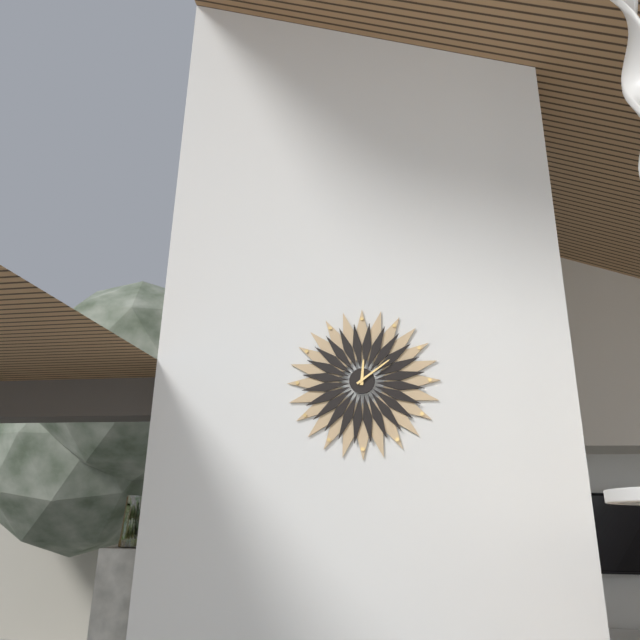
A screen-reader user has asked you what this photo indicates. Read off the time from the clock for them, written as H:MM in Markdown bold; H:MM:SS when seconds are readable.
**12:09**
